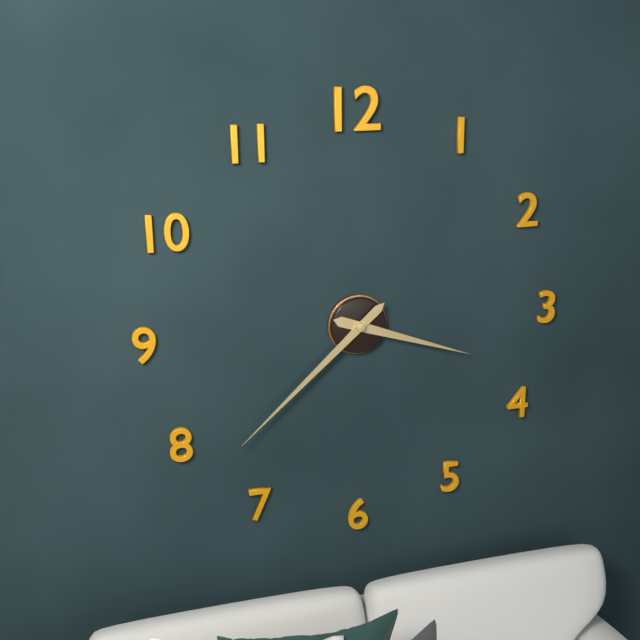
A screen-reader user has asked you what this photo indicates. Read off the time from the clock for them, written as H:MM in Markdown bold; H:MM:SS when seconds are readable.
**3:38**
